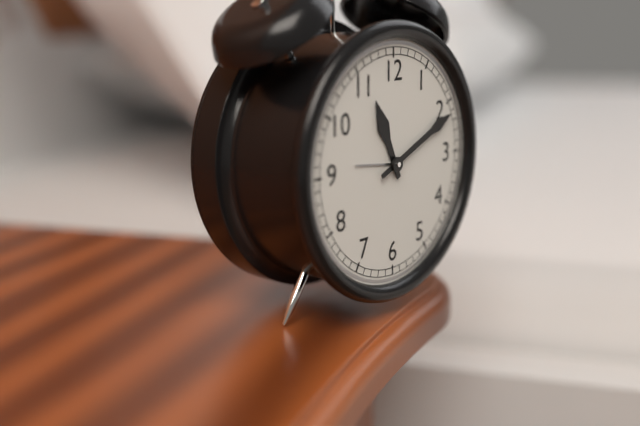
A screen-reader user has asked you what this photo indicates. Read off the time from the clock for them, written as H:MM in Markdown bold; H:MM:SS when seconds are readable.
**11:11**
